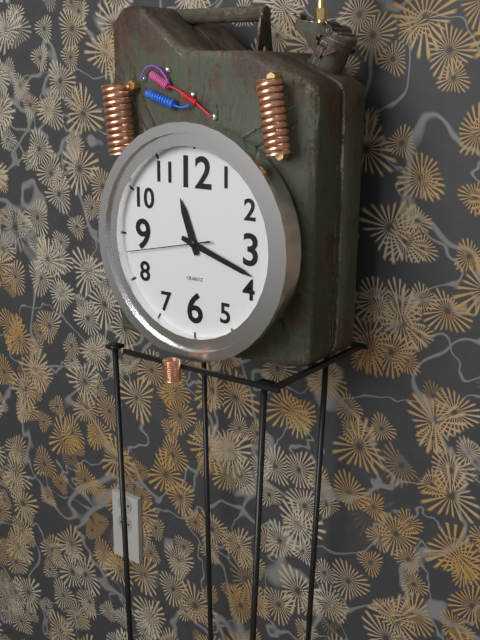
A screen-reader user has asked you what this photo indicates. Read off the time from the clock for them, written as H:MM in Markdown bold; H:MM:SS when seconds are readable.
**11:18:43**
